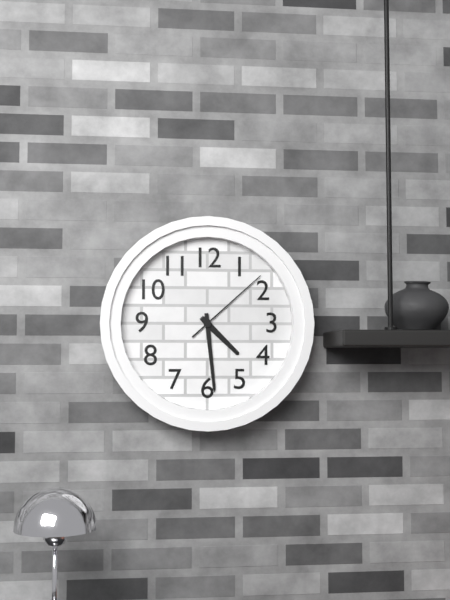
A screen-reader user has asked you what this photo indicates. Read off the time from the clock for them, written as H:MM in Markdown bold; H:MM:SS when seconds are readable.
**4:29:08**
